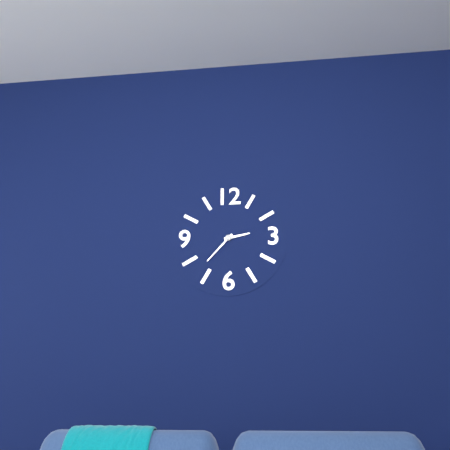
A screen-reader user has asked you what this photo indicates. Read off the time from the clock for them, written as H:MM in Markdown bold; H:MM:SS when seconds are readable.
**2:37**
